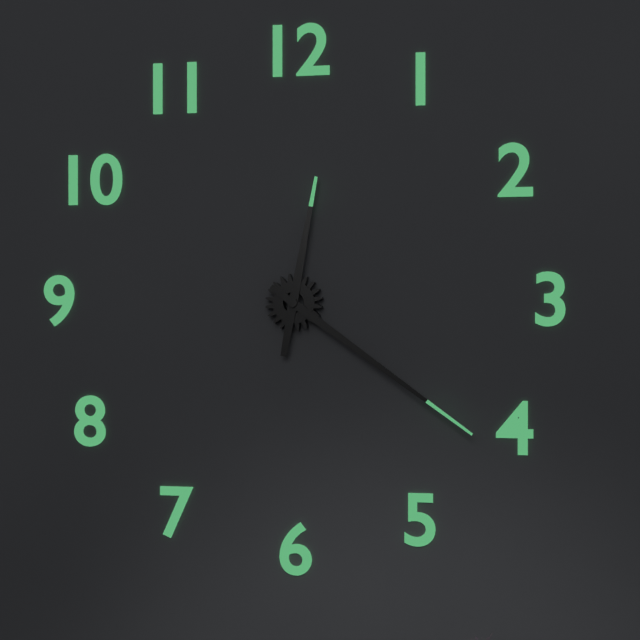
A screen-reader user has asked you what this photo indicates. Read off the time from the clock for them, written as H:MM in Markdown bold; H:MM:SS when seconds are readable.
**12:21**
